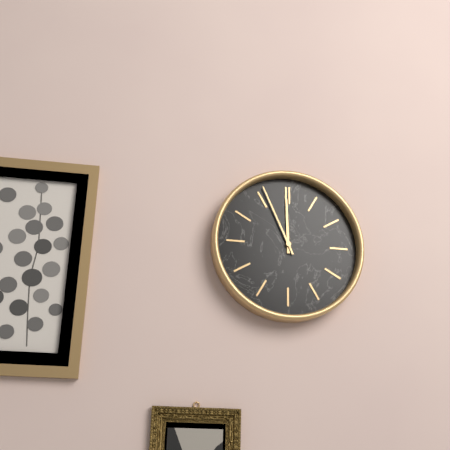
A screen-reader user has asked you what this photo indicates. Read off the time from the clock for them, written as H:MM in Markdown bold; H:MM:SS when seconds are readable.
**11:56**
